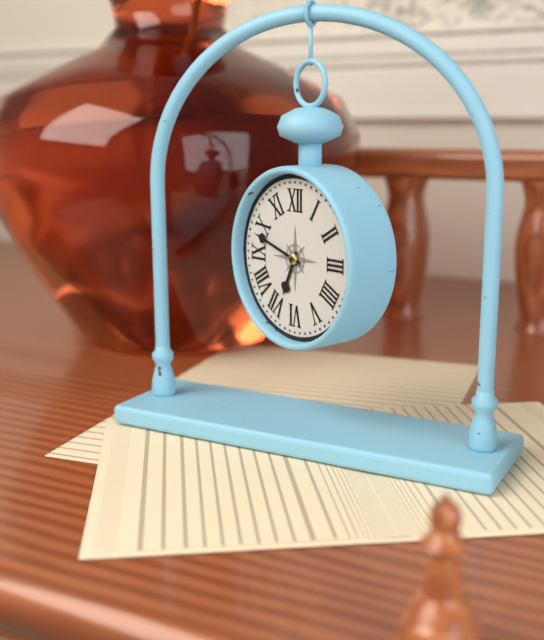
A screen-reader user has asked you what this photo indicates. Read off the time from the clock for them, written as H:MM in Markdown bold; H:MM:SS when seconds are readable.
**6:48**
